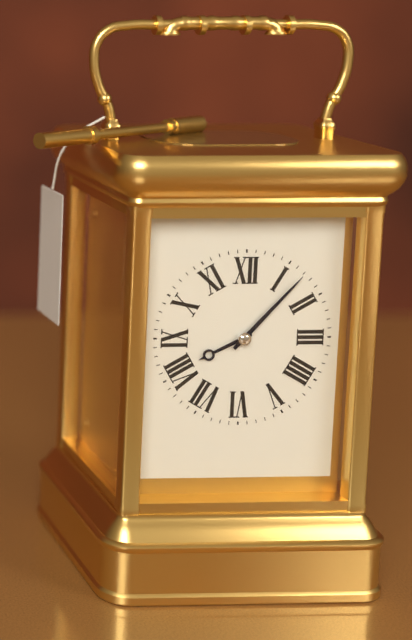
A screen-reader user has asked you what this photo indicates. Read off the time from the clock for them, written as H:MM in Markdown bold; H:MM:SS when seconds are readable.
**8:07**
